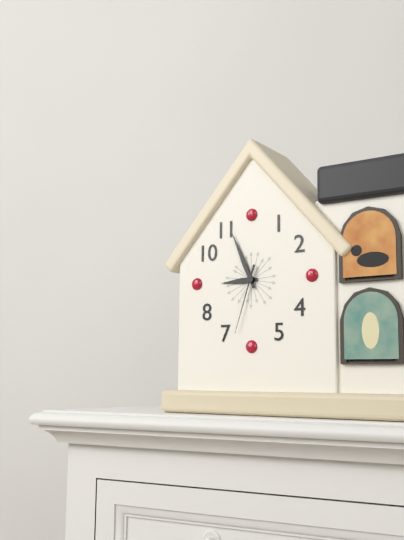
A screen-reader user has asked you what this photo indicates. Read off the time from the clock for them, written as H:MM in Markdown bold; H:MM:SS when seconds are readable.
**8:56:33**
